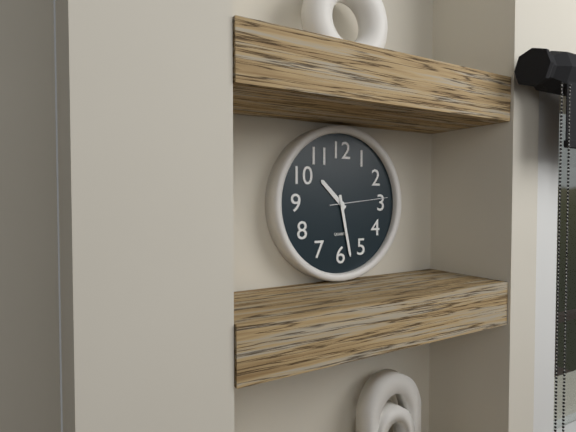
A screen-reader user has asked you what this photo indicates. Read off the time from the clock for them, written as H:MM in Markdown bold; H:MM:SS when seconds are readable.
**10:28:14**
